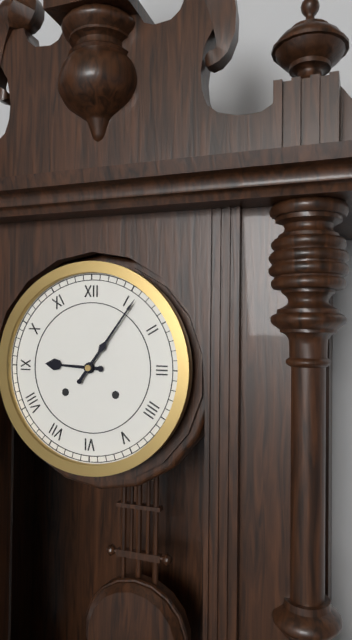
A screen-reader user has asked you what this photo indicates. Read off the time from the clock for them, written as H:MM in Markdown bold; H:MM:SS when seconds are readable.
**9:06**
